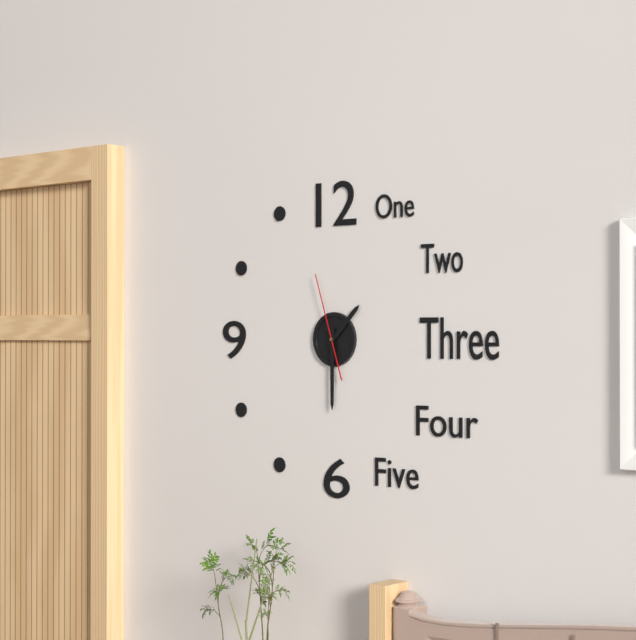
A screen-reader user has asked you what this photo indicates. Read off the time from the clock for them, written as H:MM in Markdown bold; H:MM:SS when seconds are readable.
**1:30:57**
